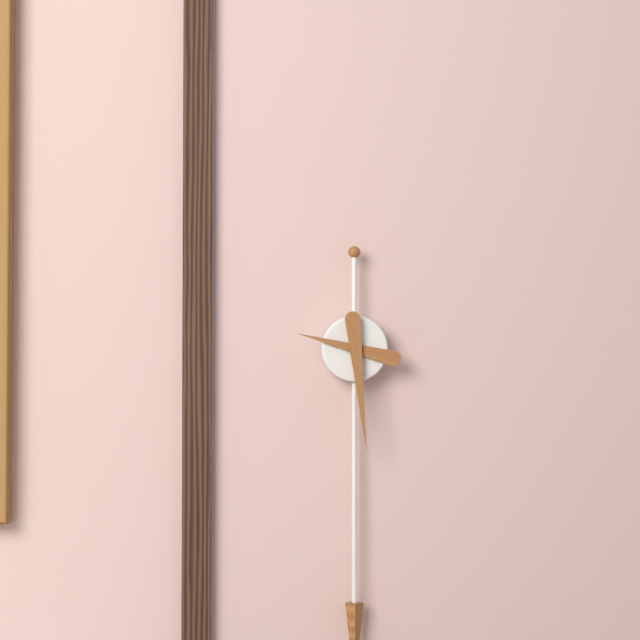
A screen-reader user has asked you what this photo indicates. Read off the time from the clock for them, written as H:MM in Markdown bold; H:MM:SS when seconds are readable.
**9:29**
